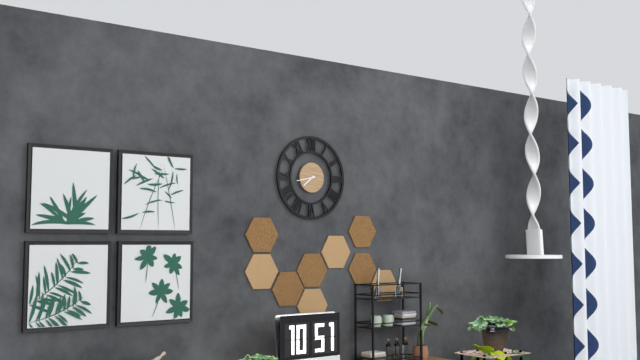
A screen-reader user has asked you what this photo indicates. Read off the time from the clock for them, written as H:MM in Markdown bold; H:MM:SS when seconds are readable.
**7:43**
